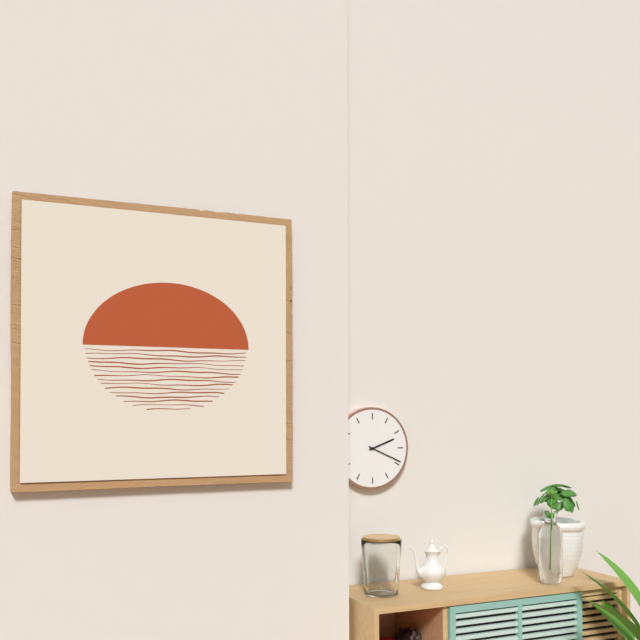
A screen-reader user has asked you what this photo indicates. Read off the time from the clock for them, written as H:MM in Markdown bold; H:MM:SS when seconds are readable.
**2:19**
